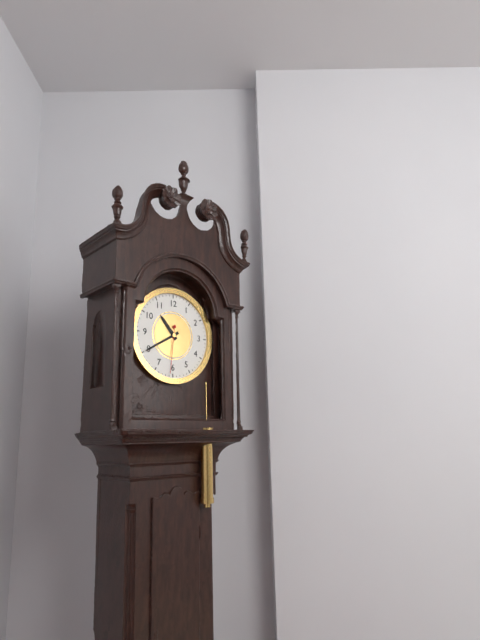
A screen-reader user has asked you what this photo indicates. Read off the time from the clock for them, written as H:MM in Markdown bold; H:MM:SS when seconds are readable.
**10:40**
